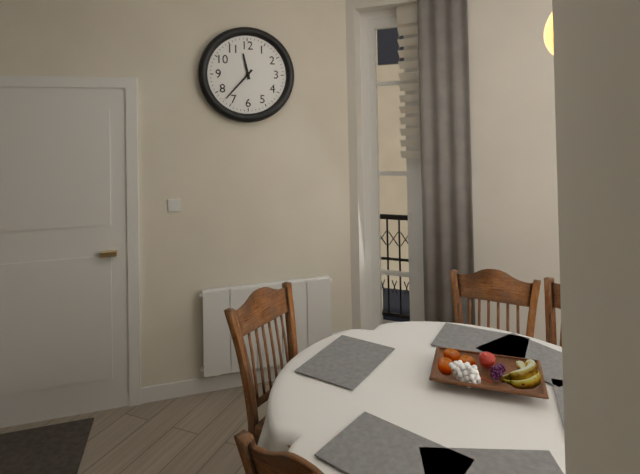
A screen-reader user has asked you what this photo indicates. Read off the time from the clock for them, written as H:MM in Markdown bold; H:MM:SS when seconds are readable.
**11:37**
